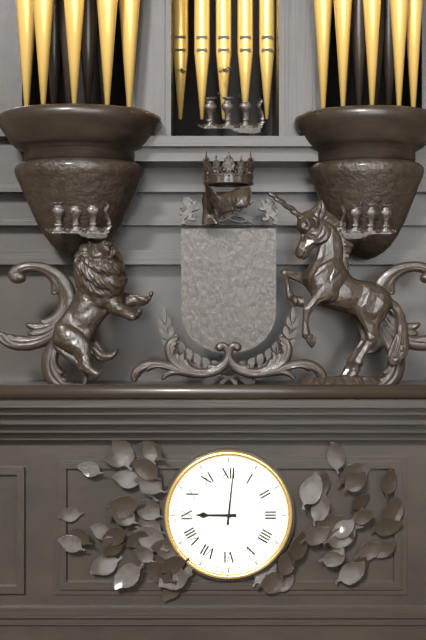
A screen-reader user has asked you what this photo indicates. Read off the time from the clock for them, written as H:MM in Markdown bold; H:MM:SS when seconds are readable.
**9:01**
